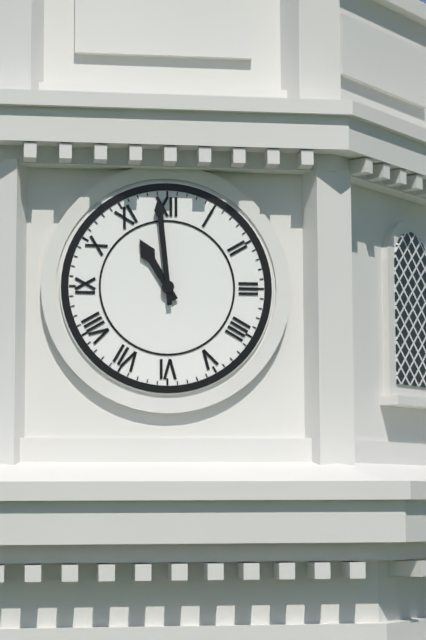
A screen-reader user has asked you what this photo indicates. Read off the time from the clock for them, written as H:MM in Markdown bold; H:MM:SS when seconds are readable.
**10:59**
